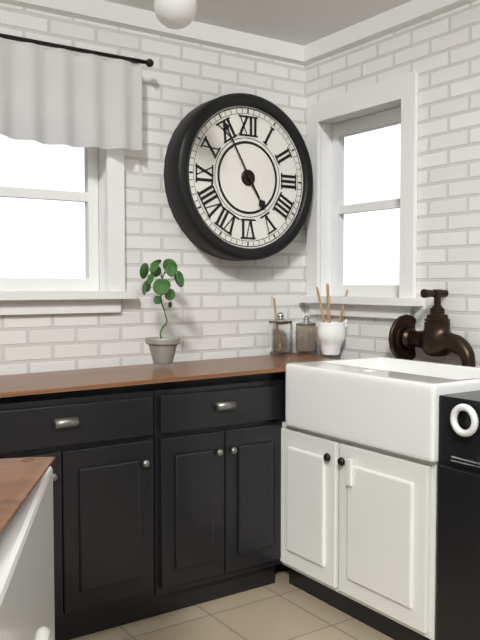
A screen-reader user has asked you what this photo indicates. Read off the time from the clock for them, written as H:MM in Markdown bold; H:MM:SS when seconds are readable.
**4:55**
